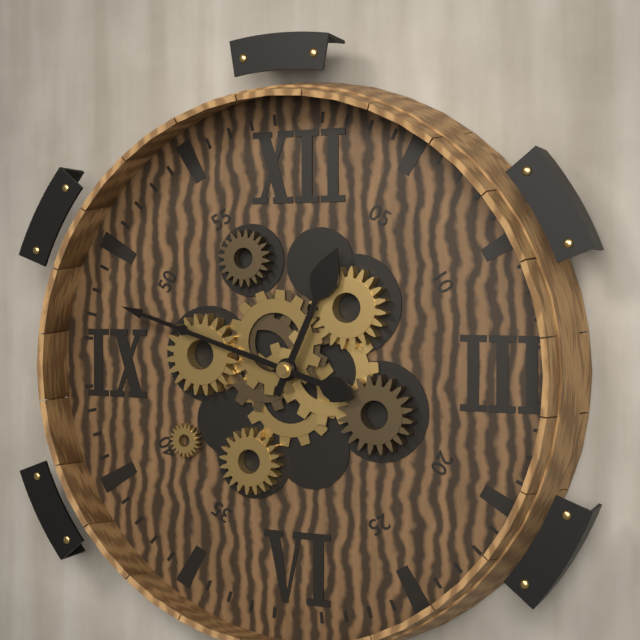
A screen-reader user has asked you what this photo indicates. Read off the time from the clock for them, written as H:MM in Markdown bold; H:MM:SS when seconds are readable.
**12:48**
